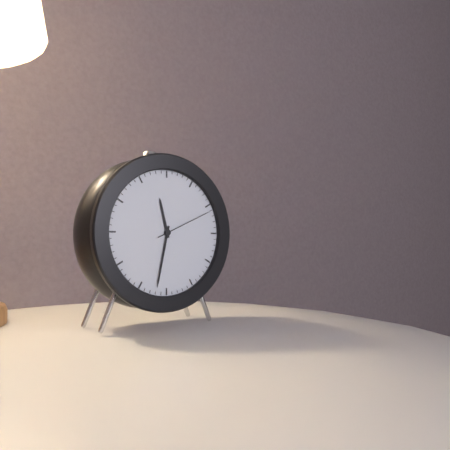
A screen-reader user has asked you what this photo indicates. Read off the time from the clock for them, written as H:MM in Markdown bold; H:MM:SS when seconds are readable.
**11:32:11**
